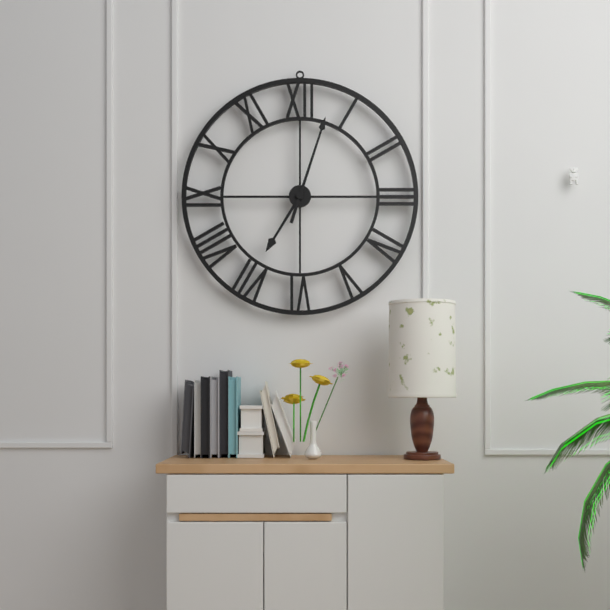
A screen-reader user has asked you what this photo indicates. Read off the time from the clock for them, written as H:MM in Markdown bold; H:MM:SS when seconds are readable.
**7:03**
